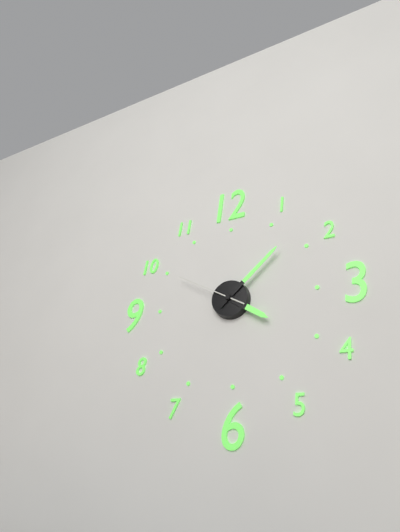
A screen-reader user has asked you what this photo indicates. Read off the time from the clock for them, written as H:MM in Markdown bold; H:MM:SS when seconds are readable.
**4:08:50**
